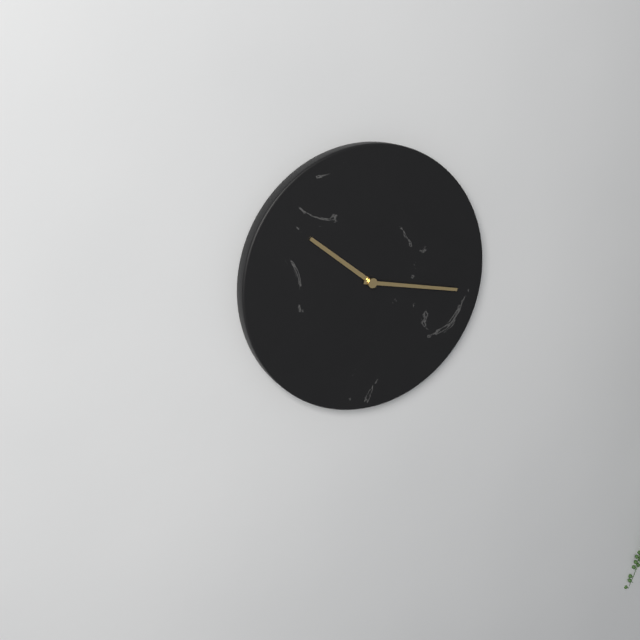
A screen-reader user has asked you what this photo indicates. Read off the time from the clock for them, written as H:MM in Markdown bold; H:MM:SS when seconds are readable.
**10:17**
